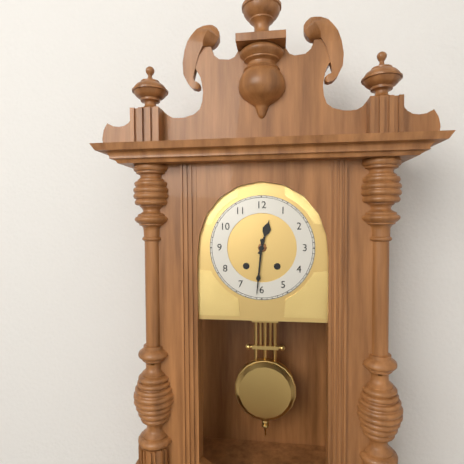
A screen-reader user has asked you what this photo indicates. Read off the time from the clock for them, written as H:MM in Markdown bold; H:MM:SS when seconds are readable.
**12:31**
